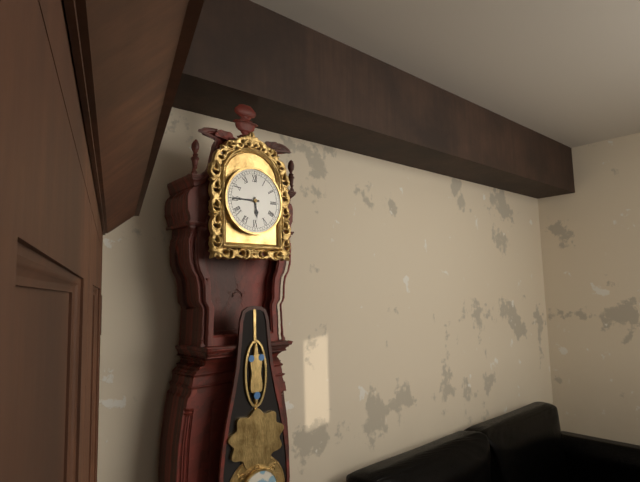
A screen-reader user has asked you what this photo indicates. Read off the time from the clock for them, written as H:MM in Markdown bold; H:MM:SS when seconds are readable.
**5:45**
